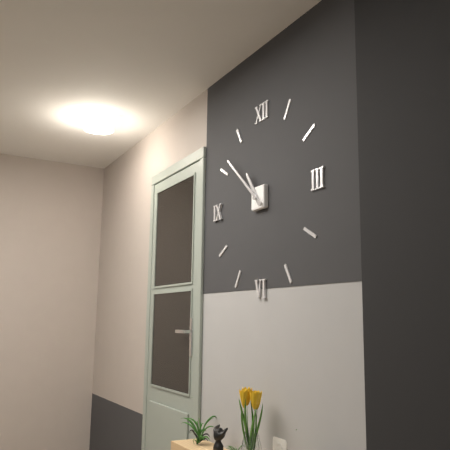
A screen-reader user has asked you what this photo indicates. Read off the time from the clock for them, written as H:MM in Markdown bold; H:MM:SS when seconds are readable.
**10:52**
